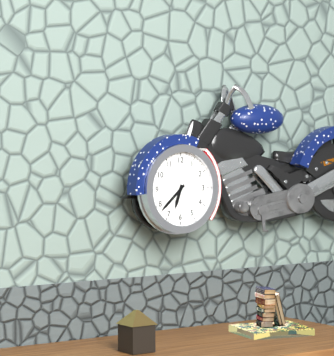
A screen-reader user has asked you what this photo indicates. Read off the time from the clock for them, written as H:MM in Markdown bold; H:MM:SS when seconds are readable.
**6:38**
